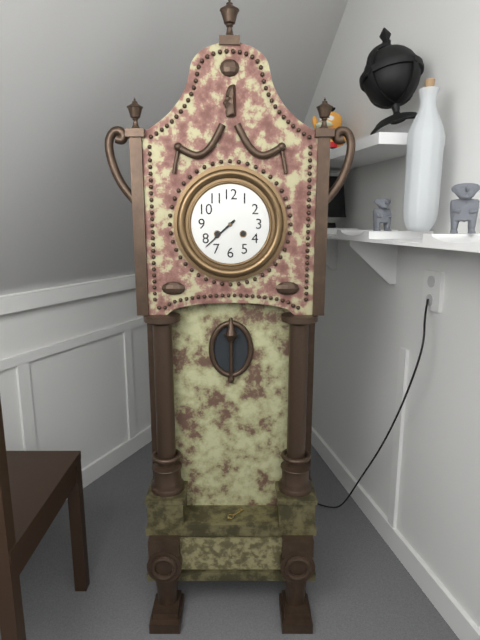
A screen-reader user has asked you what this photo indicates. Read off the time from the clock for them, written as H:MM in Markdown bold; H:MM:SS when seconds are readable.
**7:38**
